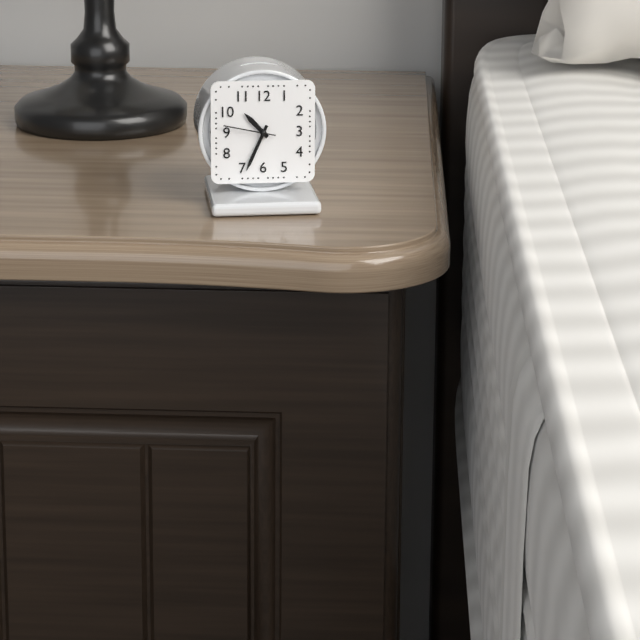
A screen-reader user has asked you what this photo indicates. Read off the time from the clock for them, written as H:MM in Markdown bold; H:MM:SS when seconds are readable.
**10:34:47**
